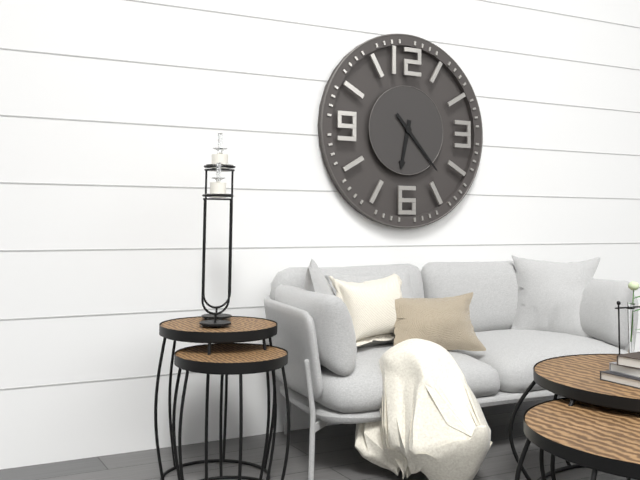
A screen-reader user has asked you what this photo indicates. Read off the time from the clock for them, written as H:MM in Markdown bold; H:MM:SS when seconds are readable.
**6:23**
